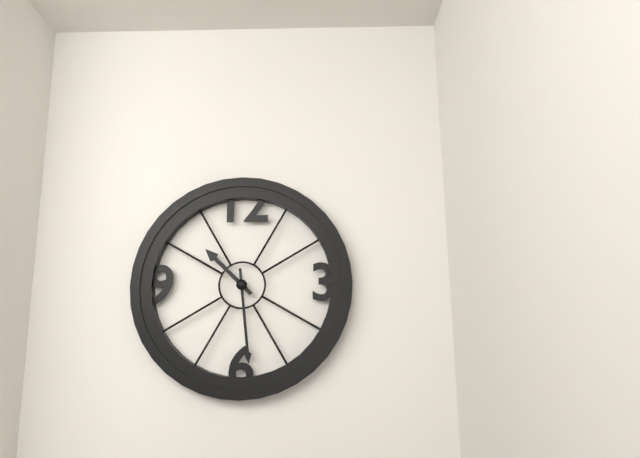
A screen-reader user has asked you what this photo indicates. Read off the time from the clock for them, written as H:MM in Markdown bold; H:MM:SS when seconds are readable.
**10:29**
